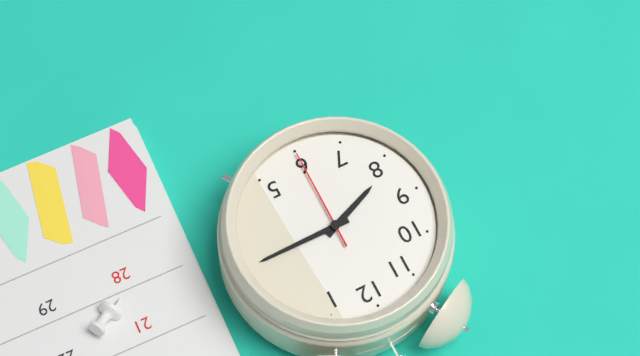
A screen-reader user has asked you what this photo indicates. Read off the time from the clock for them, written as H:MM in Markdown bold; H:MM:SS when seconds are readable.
**8:15:30**
